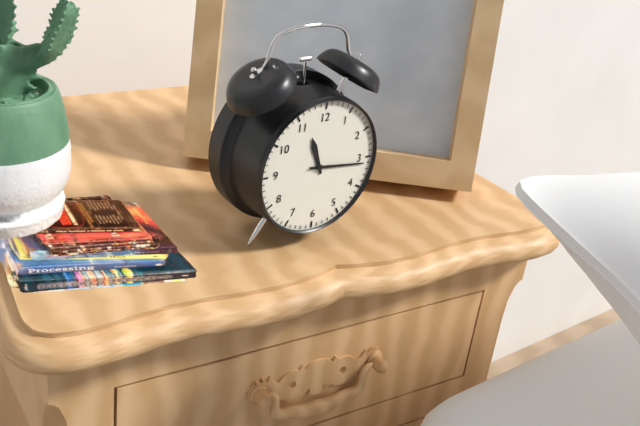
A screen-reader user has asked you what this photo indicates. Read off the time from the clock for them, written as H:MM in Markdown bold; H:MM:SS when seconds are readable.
**11:16**
